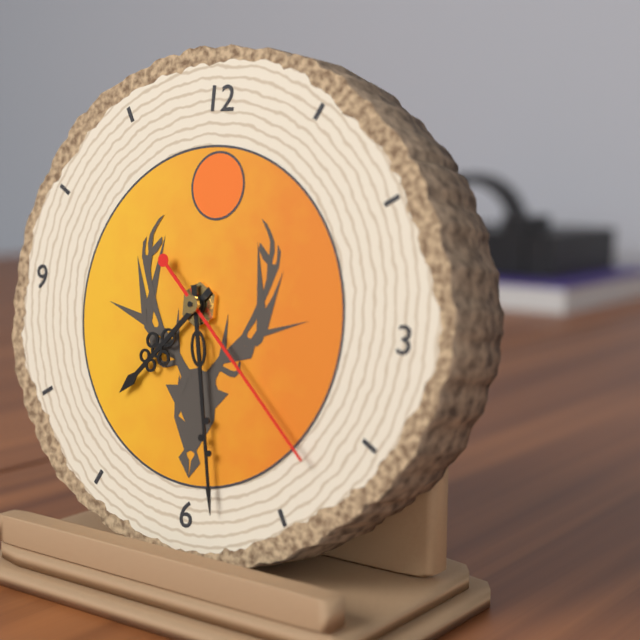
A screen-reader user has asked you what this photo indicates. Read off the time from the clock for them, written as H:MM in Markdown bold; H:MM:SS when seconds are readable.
**7:28:22**
